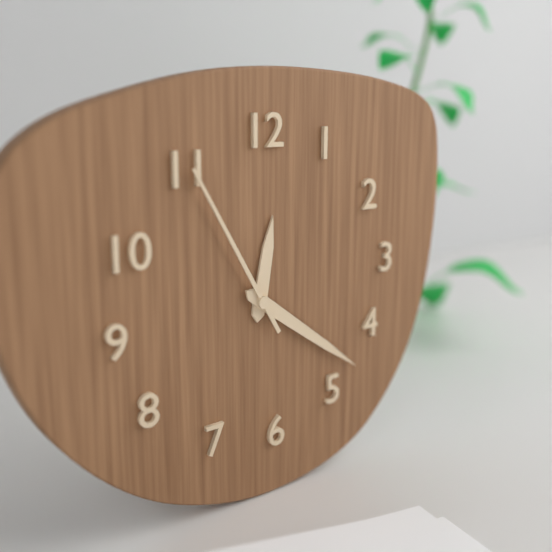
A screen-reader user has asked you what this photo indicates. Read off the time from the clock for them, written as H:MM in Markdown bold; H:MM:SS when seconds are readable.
**12:21:55**
